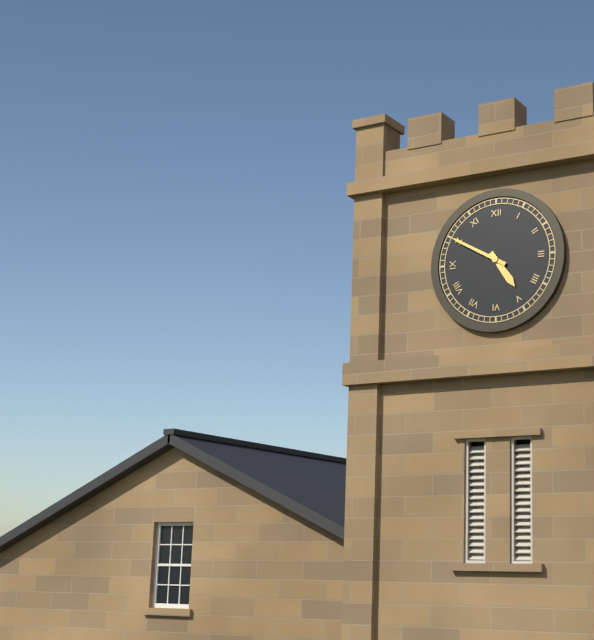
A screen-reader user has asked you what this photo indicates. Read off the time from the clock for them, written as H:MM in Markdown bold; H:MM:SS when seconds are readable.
**4:50**
